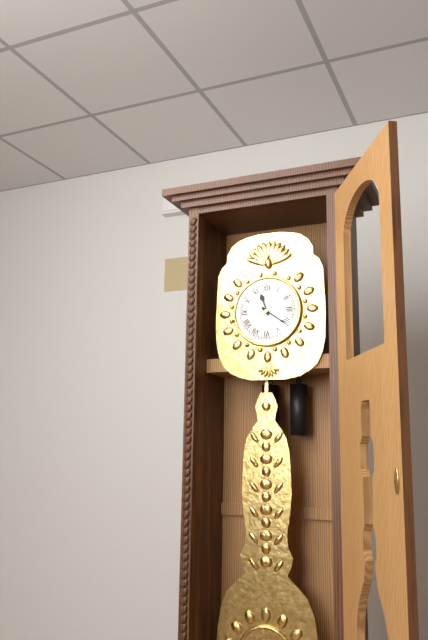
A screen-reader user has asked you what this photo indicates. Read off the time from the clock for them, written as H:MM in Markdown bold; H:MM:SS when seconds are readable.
**11:21**
